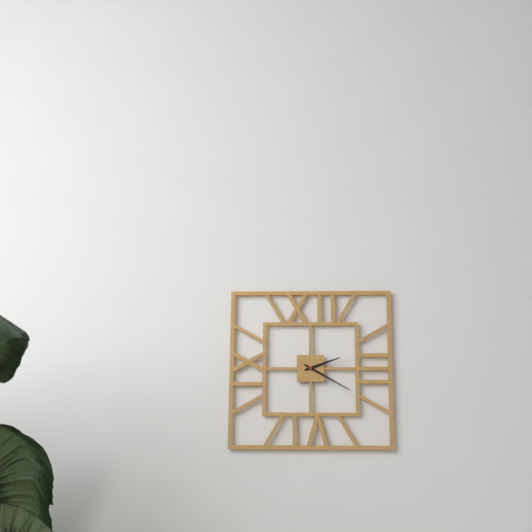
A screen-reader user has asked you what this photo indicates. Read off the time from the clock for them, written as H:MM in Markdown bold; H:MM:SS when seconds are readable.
**2:20**
